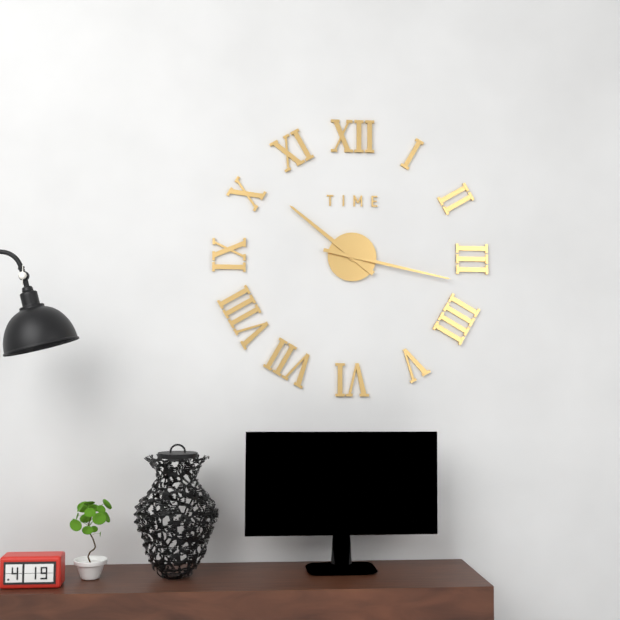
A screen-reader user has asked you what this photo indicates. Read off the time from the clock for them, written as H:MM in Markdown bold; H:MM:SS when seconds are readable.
**10:17**
